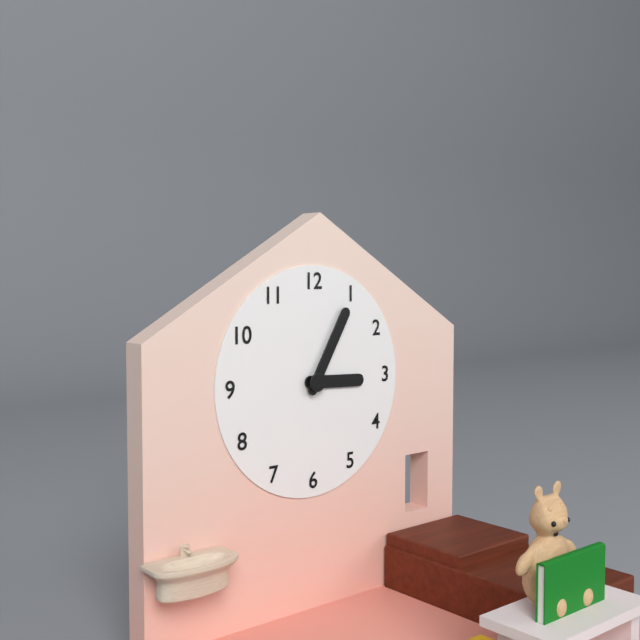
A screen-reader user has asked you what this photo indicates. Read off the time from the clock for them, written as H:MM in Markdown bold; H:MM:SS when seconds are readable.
**3:05**
